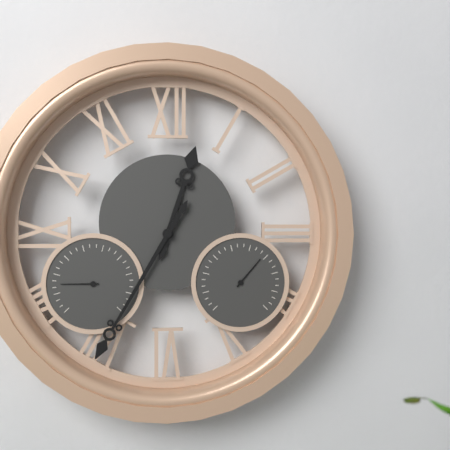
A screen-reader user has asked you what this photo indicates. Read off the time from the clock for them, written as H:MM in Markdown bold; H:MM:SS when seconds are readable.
**12:35**
